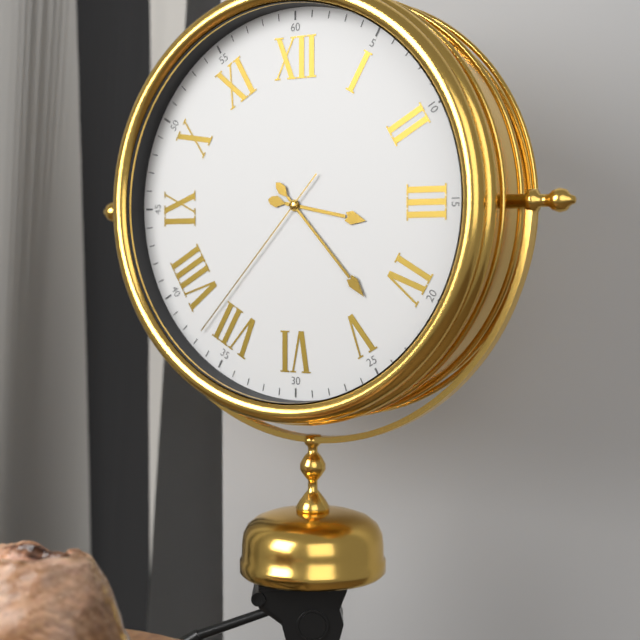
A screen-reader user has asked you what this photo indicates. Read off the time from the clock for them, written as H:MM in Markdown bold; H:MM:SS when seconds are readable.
**3:23:37**
